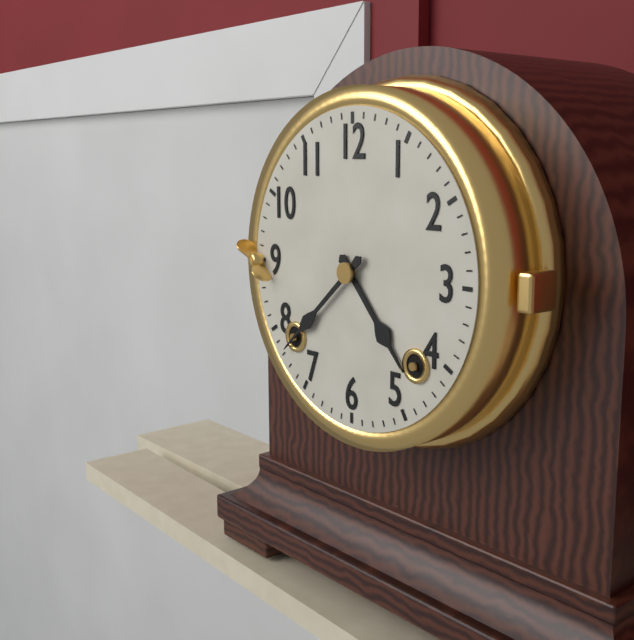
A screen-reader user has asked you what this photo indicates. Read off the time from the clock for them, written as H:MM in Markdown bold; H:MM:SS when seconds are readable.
**4:38**
